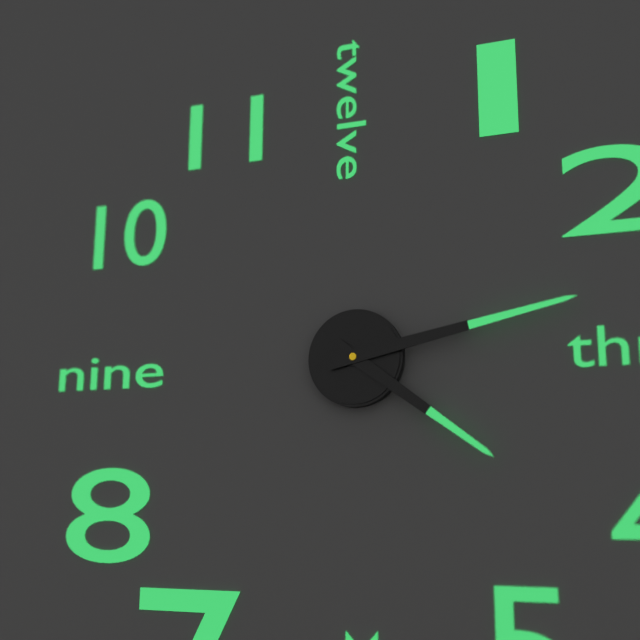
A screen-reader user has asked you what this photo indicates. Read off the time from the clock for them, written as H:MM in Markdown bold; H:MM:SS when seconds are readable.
**4:13**
